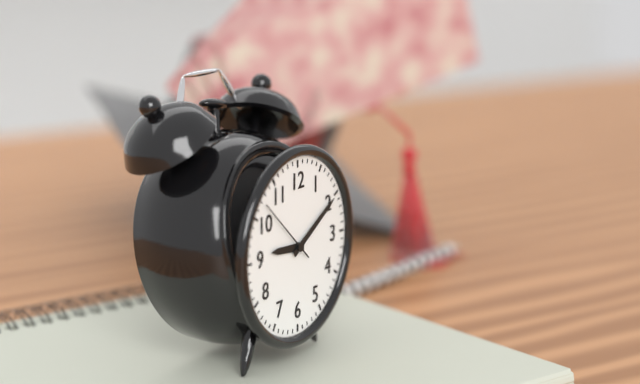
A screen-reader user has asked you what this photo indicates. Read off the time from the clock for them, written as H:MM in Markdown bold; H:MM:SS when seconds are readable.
**9:10:52**
